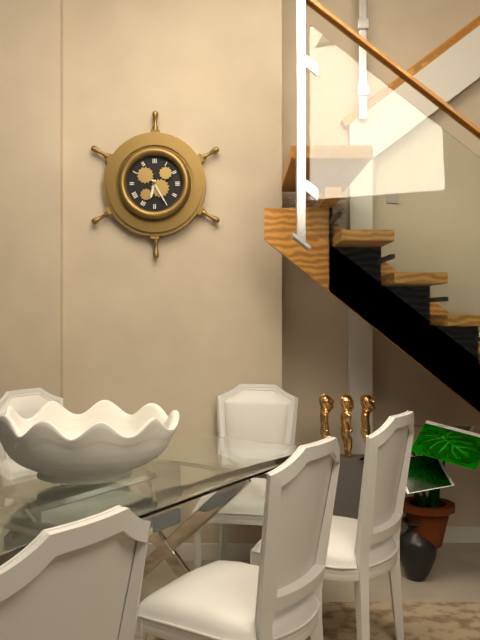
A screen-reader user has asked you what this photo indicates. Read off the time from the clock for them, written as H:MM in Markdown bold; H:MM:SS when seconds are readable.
**6:25**
